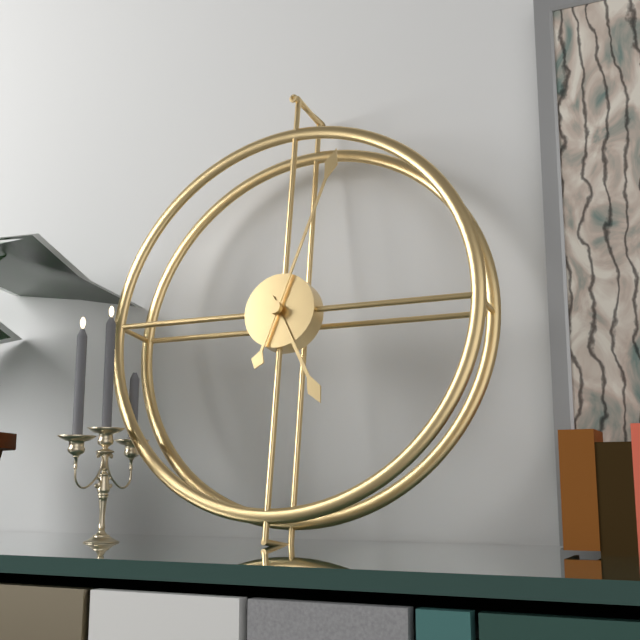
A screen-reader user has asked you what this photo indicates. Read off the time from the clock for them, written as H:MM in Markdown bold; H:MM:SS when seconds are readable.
**5:03**
